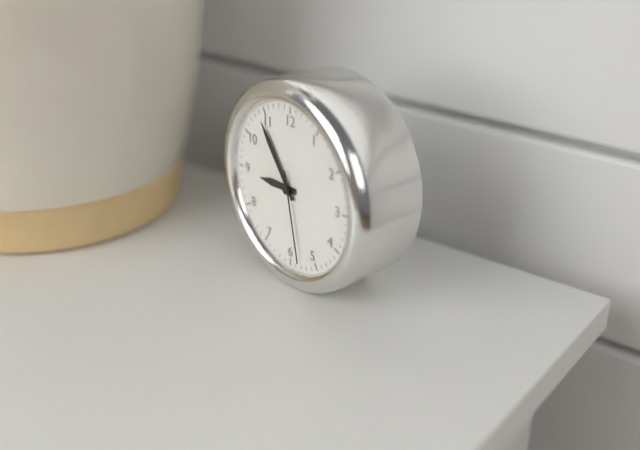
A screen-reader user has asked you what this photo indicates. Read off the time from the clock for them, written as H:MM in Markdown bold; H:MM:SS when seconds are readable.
**8:54:28**
